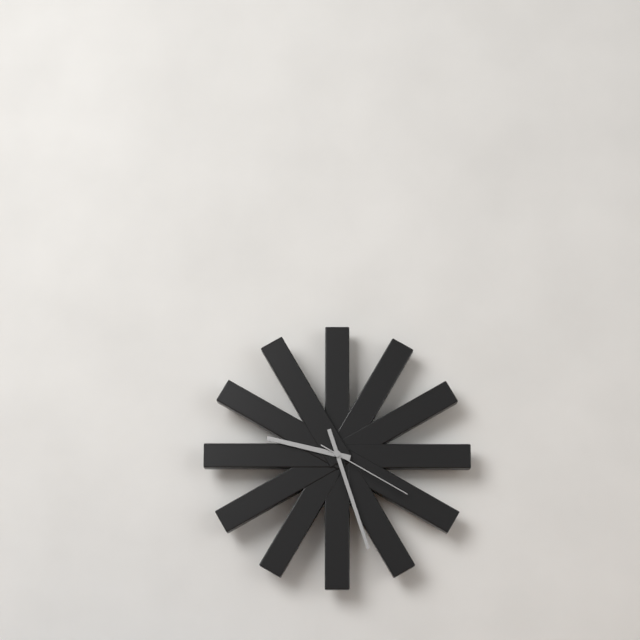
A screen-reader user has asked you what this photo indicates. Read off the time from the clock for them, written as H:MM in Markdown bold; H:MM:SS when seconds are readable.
**9:27:20**
